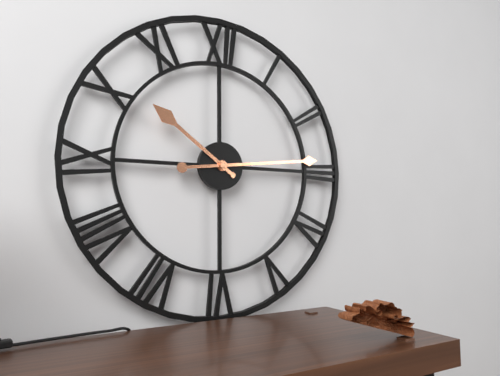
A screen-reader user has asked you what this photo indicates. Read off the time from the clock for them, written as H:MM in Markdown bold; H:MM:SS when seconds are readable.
**10:14**
